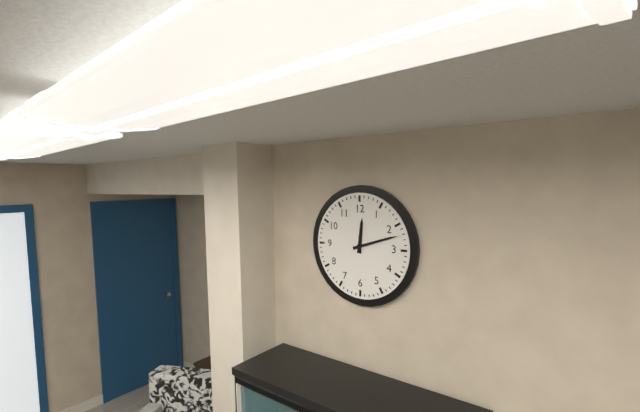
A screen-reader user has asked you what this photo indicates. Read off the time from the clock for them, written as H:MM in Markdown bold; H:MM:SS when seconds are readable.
**12:12**
